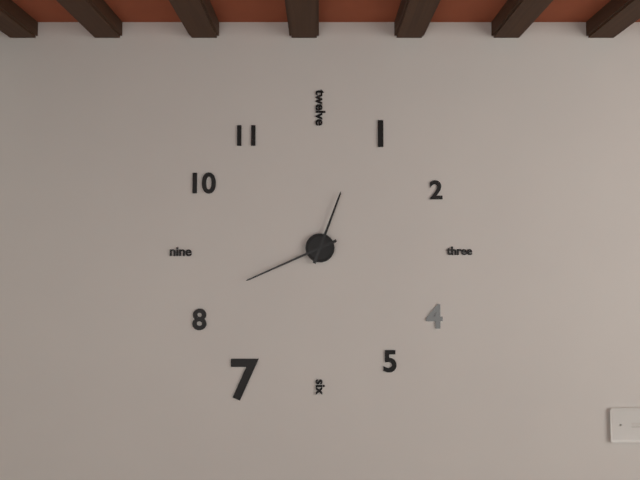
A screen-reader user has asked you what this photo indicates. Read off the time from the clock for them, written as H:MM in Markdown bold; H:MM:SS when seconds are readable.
**12:41**
